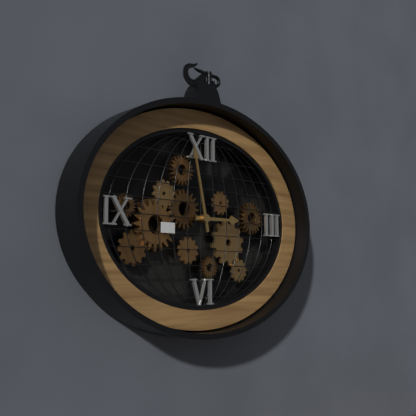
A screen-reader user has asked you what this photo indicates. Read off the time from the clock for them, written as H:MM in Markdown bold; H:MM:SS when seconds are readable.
**2:58**
